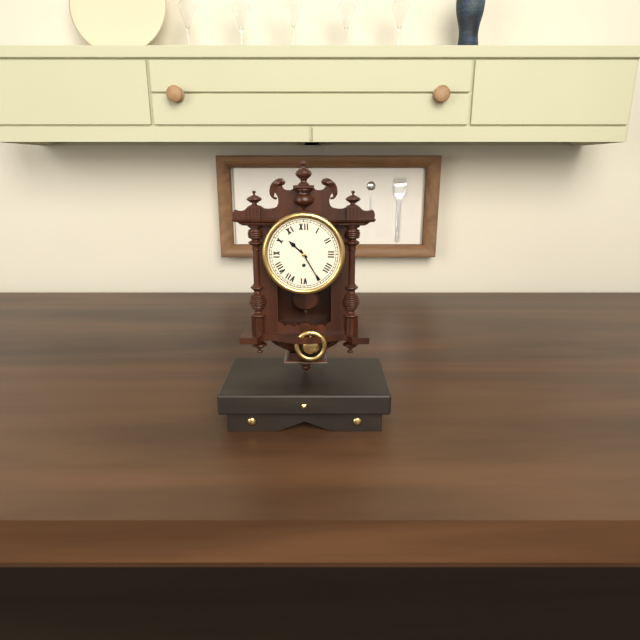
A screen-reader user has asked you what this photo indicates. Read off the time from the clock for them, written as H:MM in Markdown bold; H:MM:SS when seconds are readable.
**10:25**
